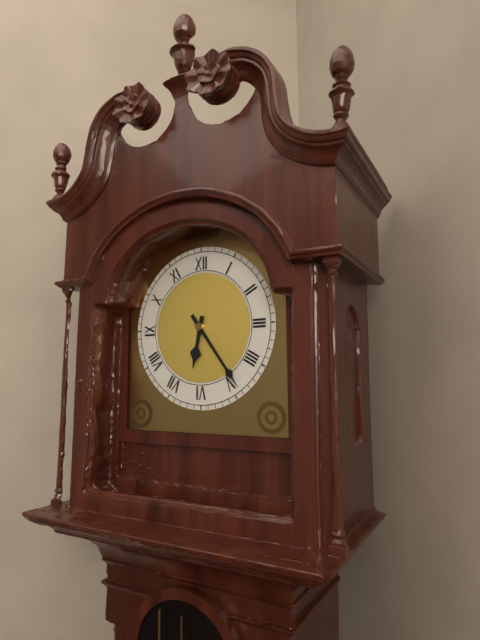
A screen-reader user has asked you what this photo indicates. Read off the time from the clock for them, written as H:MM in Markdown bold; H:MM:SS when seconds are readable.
**6:24**
